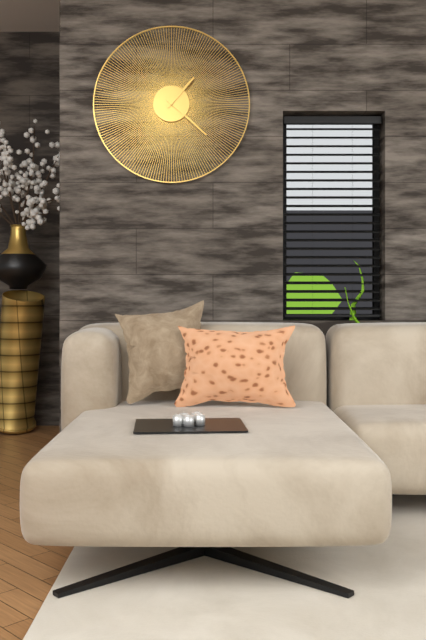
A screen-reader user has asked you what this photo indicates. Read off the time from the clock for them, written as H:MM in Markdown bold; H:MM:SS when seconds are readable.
**1:22**
